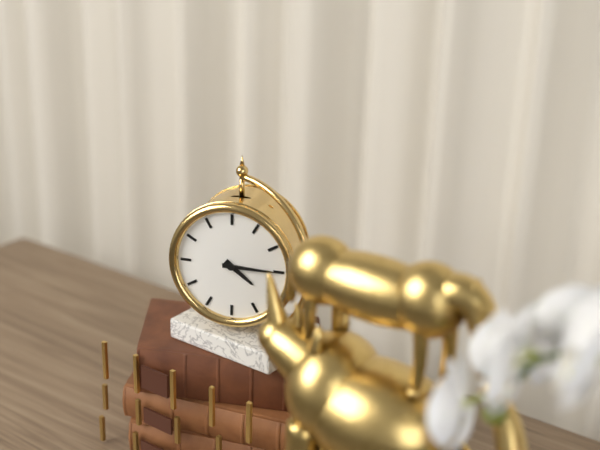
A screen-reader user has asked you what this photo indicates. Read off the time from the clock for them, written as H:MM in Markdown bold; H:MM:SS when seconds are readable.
**4:15**
